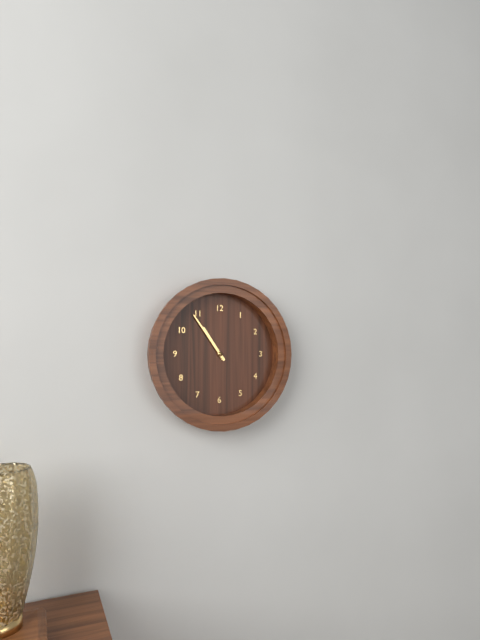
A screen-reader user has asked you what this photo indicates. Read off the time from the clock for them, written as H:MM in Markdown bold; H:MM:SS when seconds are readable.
**10:54**
